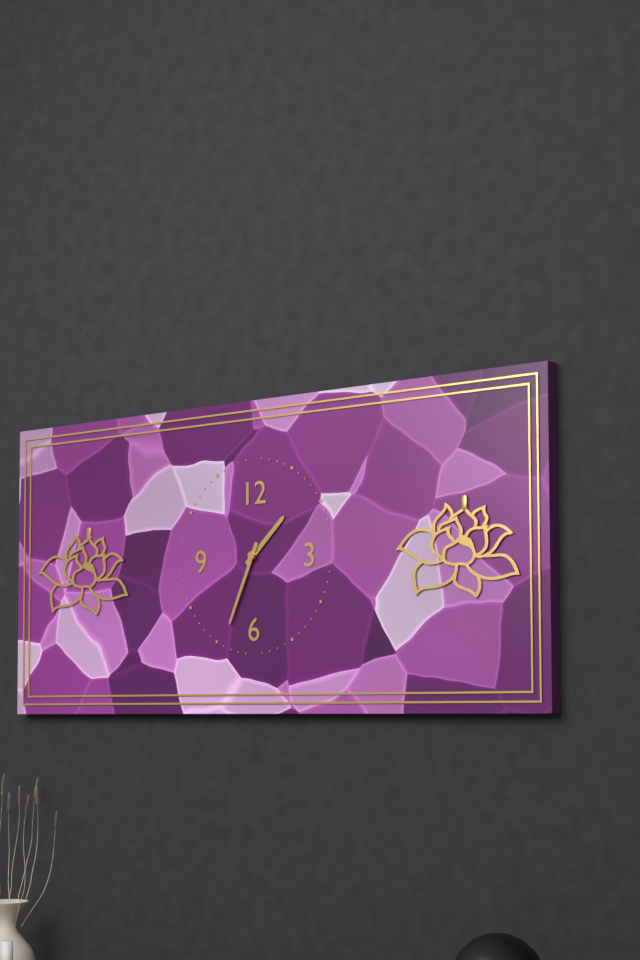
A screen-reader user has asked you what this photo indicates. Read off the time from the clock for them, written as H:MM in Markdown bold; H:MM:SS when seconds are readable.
**1:34**
